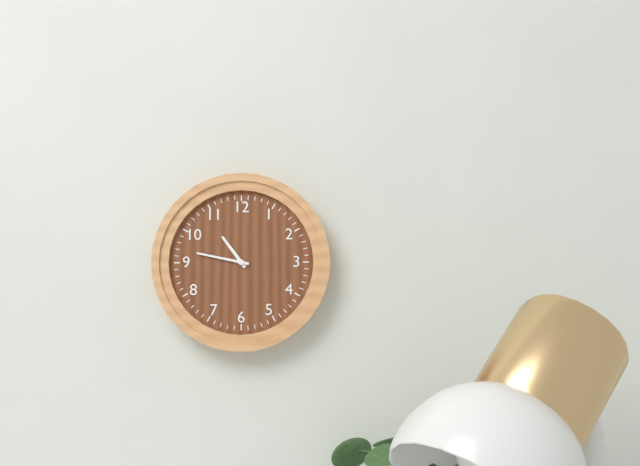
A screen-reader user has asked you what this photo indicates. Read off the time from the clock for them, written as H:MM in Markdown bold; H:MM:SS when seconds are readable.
**10:47**
